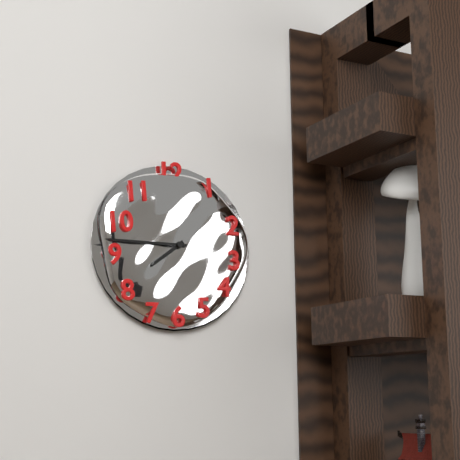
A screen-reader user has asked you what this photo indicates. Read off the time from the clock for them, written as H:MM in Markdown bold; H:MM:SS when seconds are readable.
**7:45**
